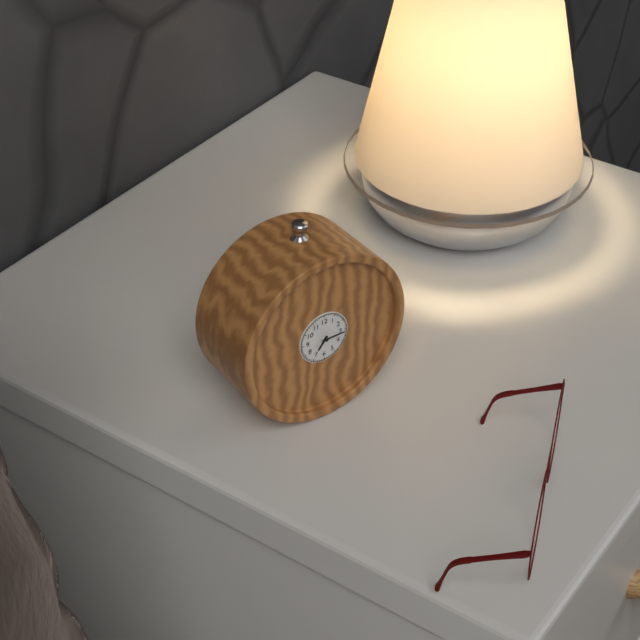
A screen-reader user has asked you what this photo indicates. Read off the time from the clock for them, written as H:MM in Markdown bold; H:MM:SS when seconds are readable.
**7:15**
